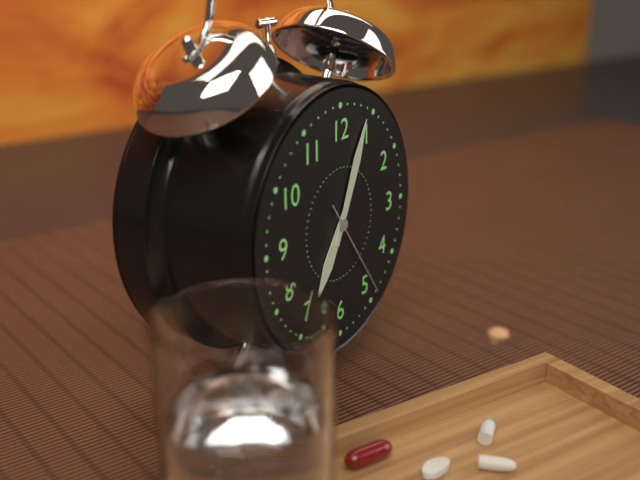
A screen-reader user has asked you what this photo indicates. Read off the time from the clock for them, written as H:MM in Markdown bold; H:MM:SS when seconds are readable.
**7:04:24**
